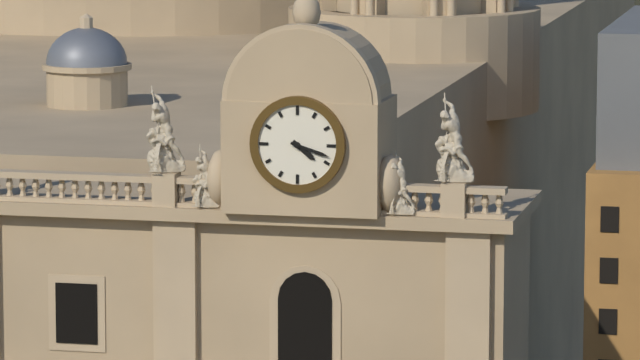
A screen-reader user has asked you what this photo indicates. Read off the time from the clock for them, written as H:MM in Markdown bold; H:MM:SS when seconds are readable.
**4:18**
